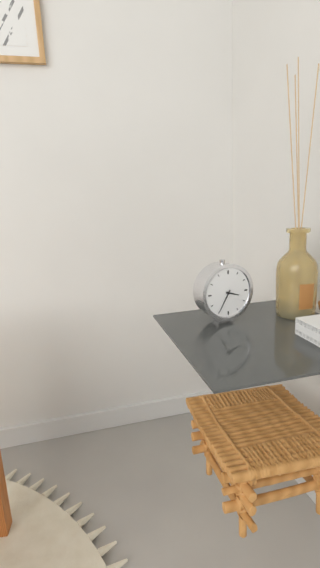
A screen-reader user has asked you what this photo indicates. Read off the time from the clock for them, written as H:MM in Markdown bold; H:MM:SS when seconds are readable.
**3:35**
